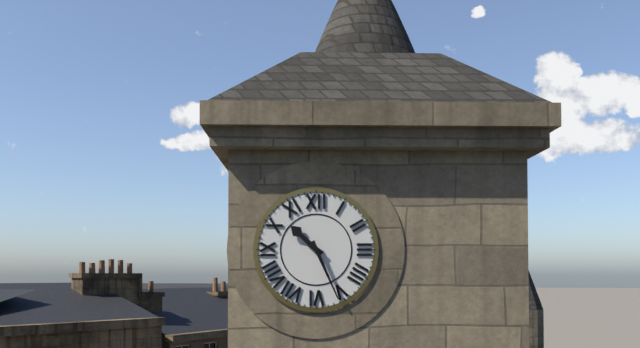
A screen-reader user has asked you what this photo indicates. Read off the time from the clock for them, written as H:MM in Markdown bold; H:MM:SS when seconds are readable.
**10:26**
